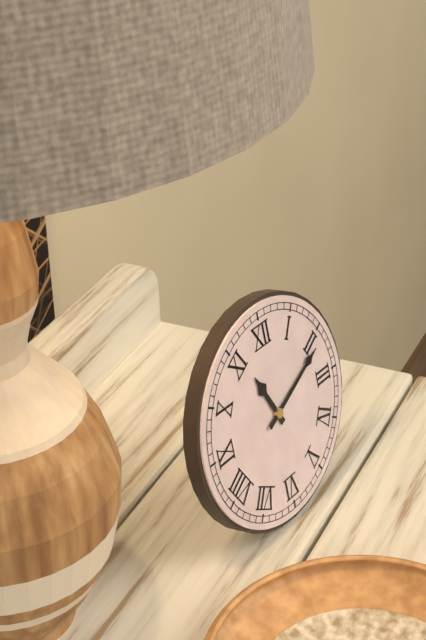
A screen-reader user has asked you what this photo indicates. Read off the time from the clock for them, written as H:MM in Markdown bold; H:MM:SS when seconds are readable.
**11:11**
